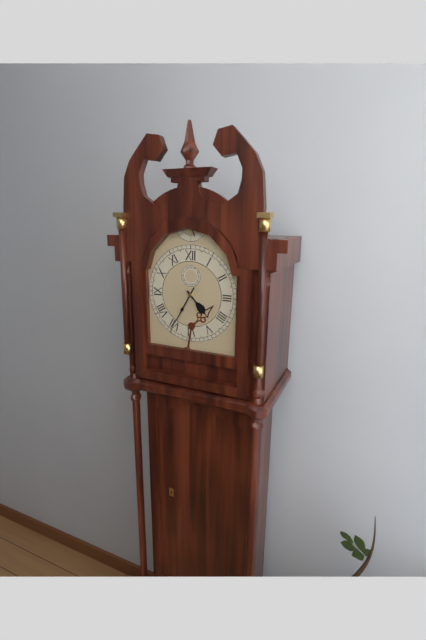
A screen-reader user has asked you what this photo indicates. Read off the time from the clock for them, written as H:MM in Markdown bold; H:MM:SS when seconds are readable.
**4:35**
